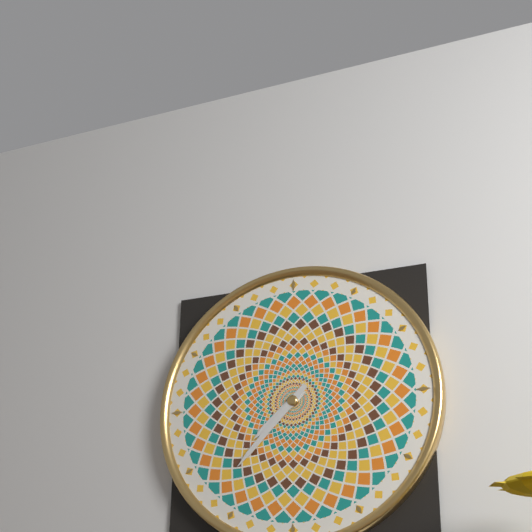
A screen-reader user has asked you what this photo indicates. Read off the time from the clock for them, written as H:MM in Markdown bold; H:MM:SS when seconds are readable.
**7:37**
